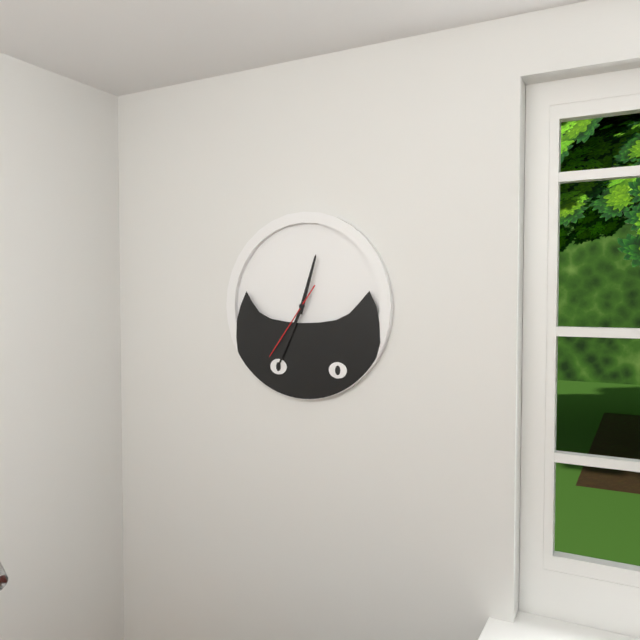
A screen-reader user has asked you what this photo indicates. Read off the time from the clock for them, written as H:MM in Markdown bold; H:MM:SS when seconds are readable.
**12:34:36**
